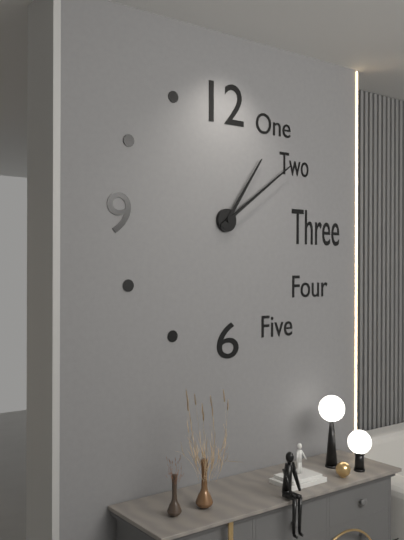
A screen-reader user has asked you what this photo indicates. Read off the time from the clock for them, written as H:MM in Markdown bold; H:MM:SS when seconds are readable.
**1:09**
